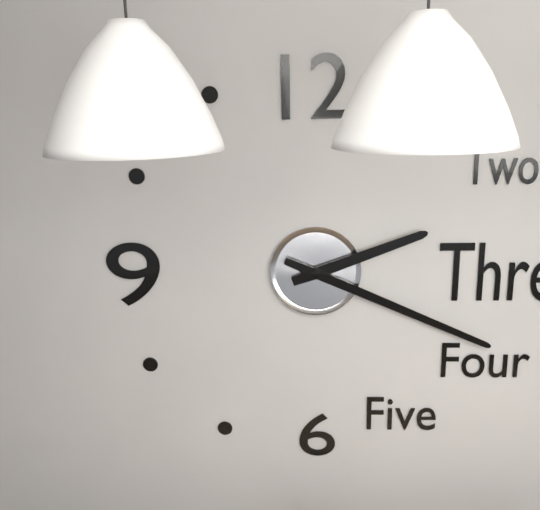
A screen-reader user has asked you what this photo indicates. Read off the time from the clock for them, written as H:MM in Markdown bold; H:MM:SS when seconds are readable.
**2:19**
